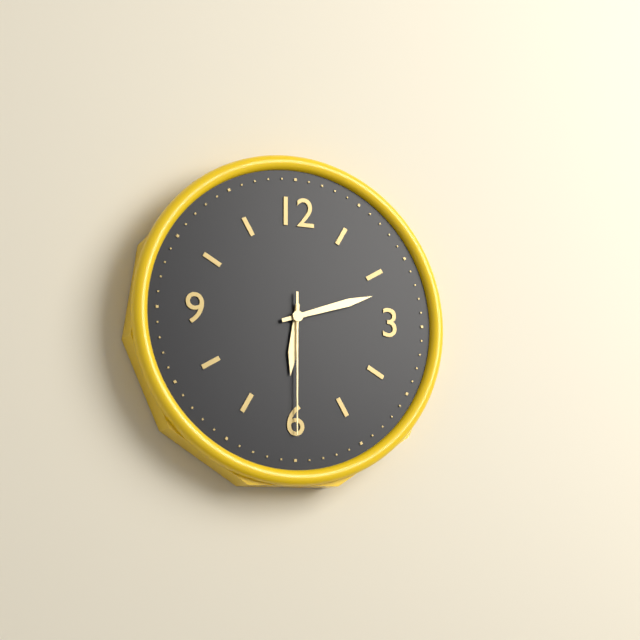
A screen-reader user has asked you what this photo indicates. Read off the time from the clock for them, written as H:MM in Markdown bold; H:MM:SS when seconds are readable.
**6:12:30**
